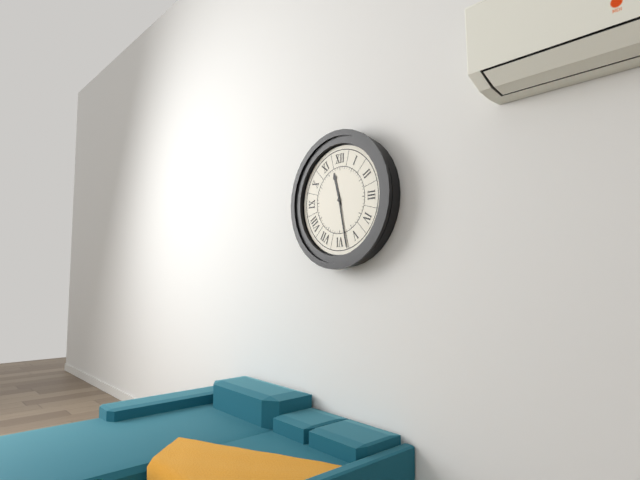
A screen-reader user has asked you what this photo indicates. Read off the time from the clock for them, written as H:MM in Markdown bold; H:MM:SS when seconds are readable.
**11:28**
